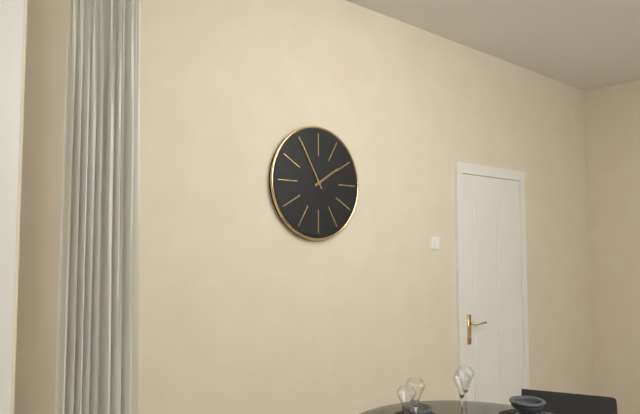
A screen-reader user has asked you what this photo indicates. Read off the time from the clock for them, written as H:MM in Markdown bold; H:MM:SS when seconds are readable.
**1:55**
